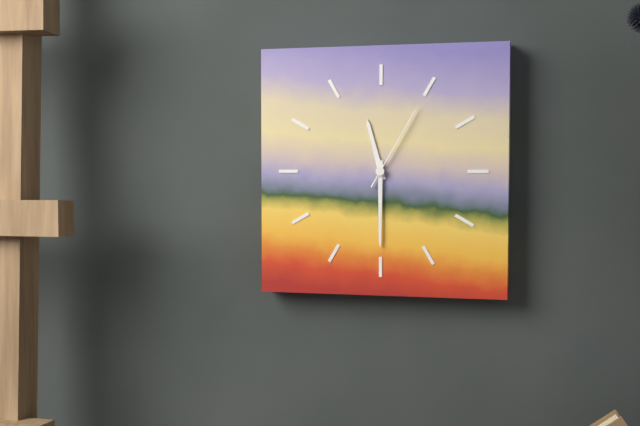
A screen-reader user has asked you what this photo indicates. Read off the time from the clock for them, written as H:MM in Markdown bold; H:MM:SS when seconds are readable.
**11:30:05**
